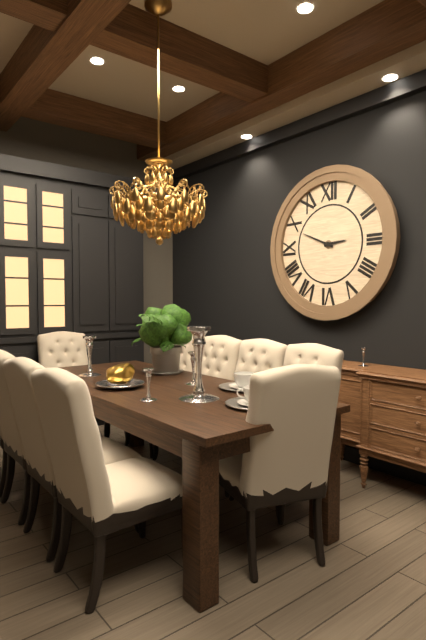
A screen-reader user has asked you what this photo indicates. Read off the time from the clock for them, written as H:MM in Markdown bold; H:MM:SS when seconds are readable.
**2:49**
